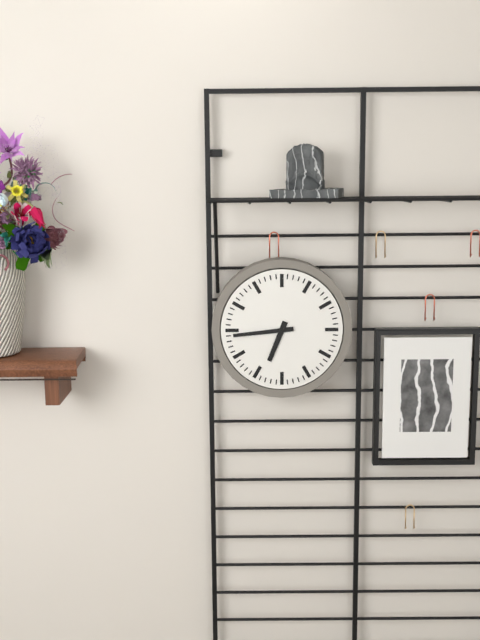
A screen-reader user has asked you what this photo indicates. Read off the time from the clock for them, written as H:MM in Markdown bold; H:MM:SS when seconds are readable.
**6:44**
